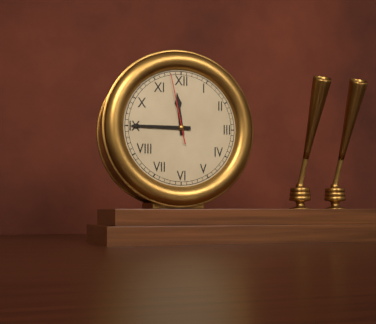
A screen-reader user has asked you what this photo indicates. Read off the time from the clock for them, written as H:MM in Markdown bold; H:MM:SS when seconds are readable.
**11:45:58**
